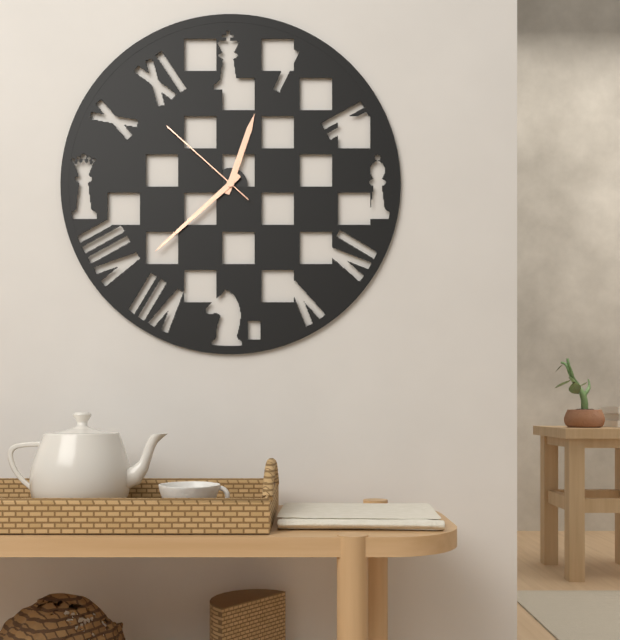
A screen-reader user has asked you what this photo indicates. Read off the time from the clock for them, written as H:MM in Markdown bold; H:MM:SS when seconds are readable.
**12:38:52**
